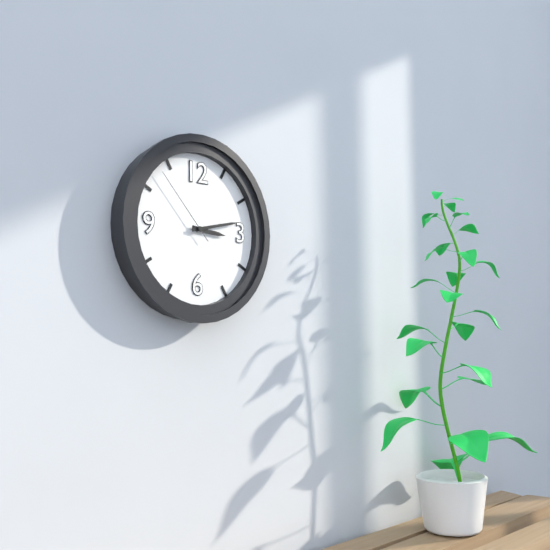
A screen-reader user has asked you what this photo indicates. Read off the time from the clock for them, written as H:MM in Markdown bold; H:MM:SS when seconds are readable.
**3:13:53**
